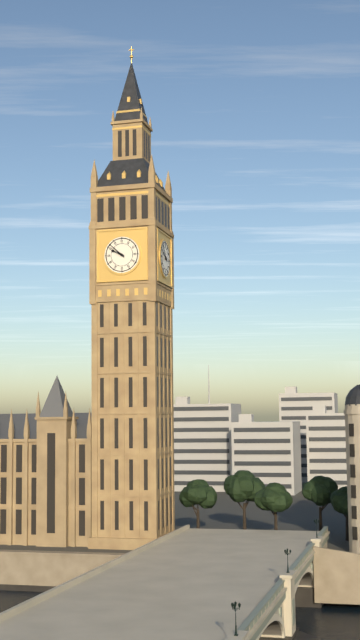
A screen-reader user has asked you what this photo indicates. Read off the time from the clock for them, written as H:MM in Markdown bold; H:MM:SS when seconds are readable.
**9:52**
